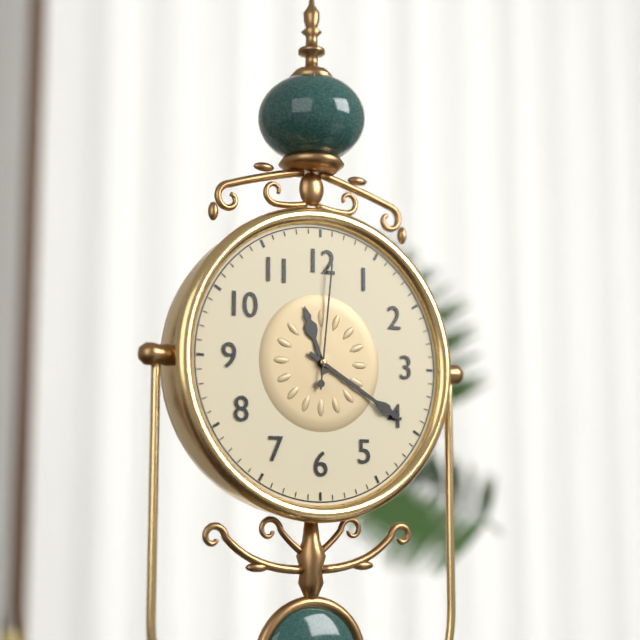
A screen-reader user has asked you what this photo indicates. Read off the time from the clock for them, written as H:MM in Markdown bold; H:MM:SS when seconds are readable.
**11:20:01**
